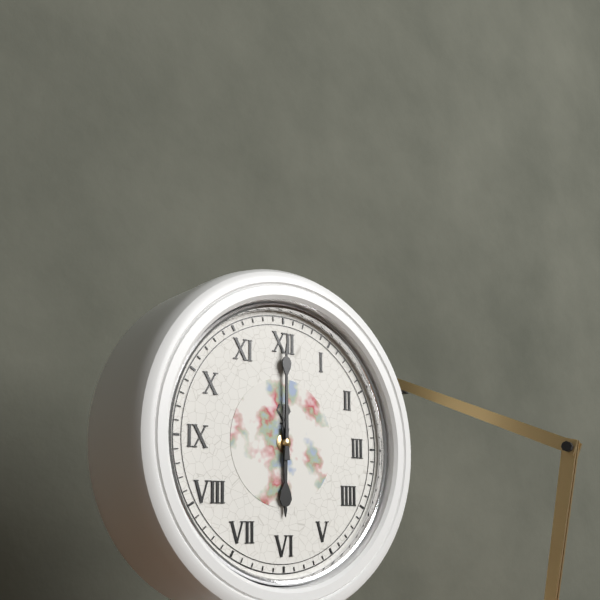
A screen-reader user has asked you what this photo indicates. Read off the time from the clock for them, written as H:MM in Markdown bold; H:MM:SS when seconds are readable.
**6:00**
